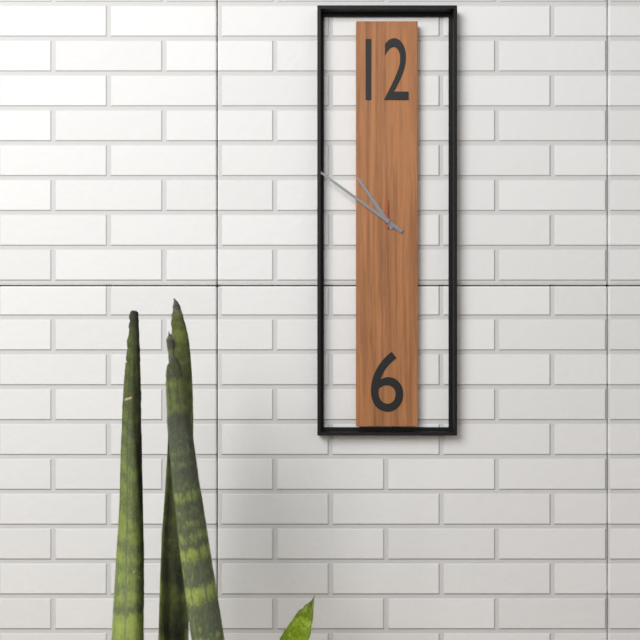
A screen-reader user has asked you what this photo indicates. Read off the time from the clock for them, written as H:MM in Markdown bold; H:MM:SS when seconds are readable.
**10:51**
